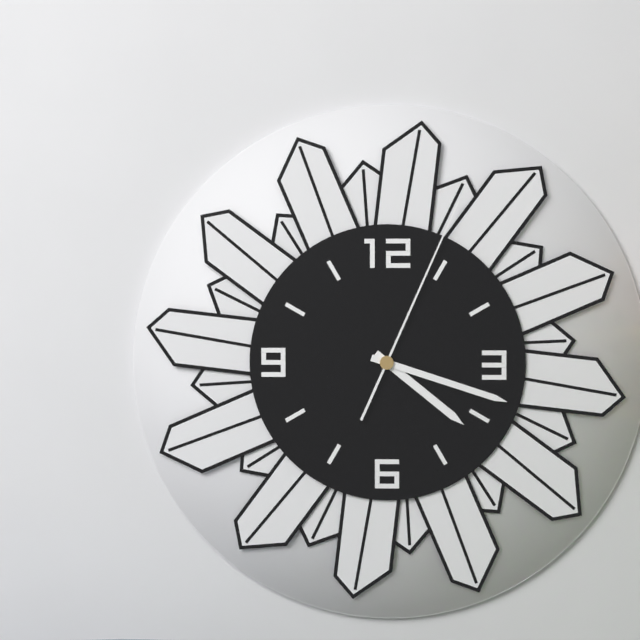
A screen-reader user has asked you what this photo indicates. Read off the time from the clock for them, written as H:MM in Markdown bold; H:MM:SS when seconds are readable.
**4:18:04**
